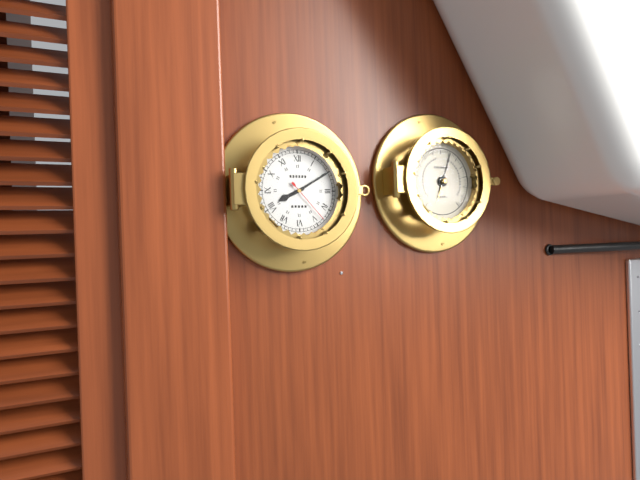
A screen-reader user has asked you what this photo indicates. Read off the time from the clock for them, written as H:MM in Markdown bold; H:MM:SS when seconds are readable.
**8:10**
